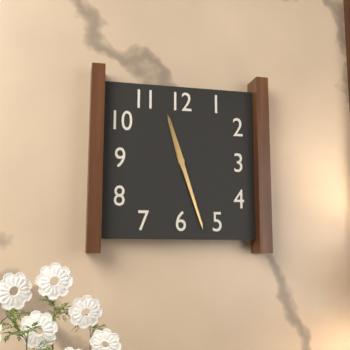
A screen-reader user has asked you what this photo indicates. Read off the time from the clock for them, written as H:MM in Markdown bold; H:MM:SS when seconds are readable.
**11:27**
